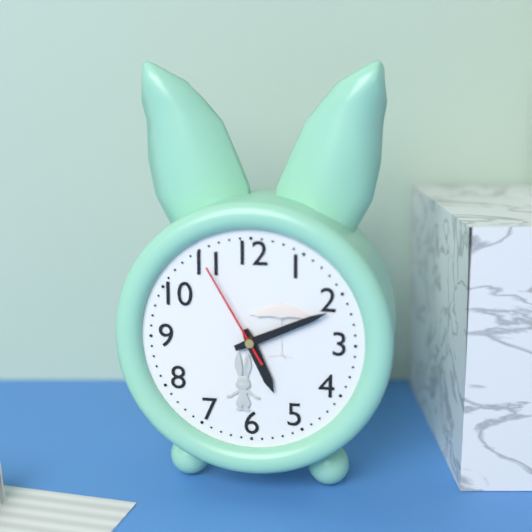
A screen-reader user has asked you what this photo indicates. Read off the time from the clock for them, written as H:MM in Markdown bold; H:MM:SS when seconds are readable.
**5:11:55**
